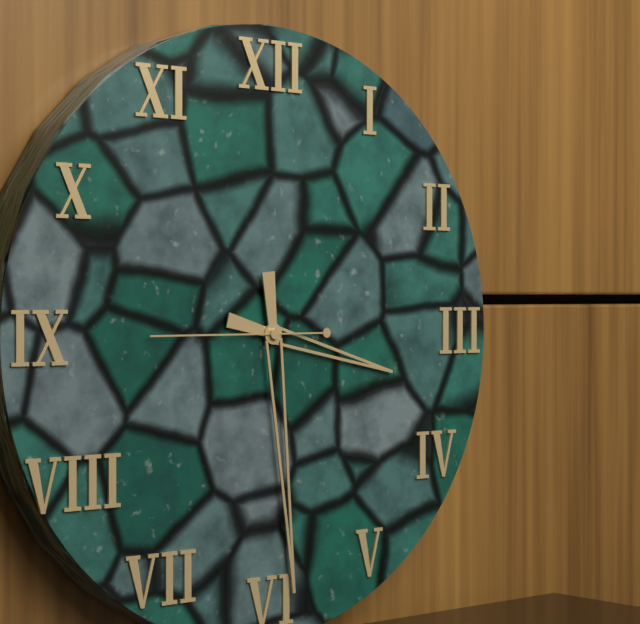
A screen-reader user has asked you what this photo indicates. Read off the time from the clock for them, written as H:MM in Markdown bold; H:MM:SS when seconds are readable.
**3:29:45**
